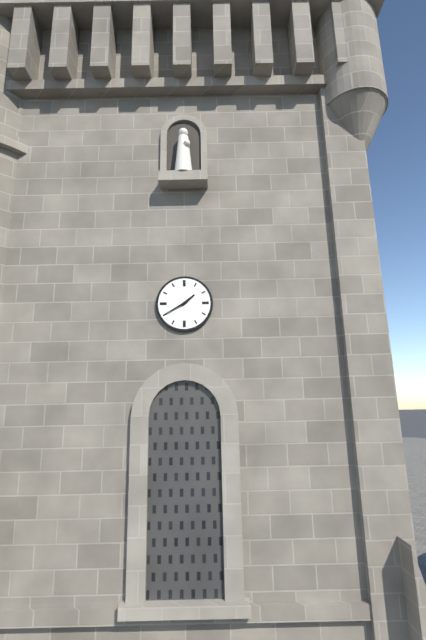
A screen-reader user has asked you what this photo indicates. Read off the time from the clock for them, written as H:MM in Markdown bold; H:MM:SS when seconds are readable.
**1:40**
